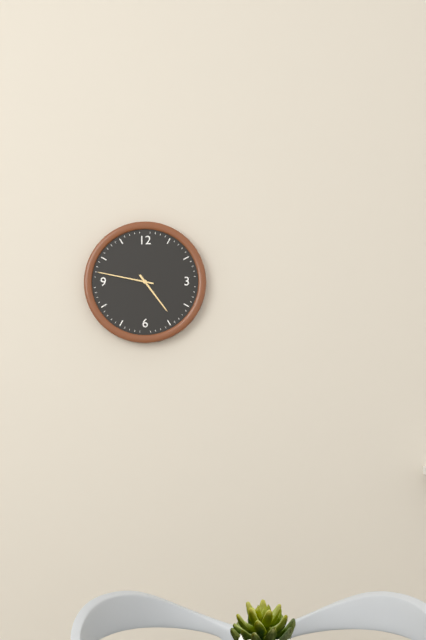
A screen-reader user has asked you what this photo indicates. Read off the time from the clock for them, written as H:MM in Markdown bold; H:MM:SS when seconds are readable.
**4:47**
